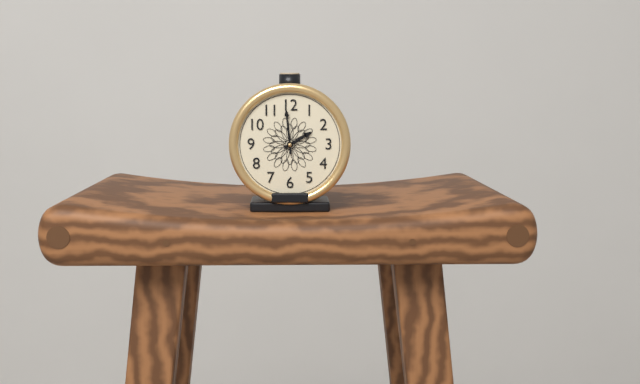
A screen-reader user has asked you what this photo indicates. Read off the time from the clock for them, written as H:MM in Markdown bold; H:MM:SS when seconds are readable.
**1:59**
